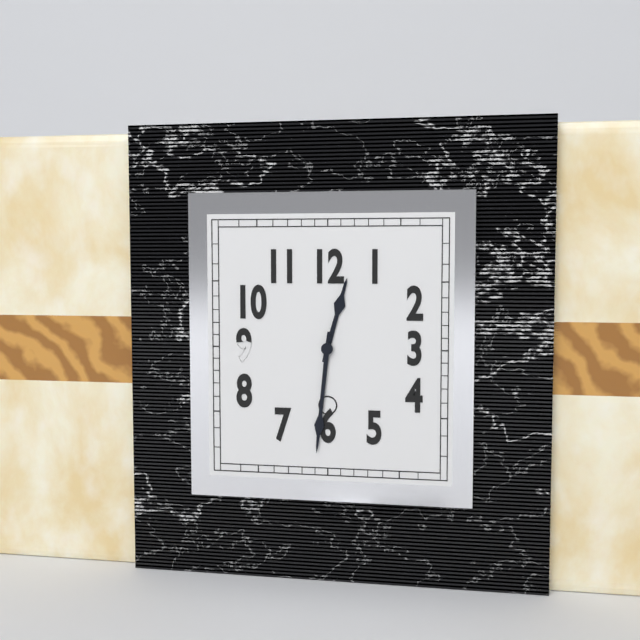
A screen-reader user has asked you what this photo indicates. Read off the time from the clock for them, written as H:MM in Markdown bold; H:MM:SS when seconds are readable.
**12:31**
